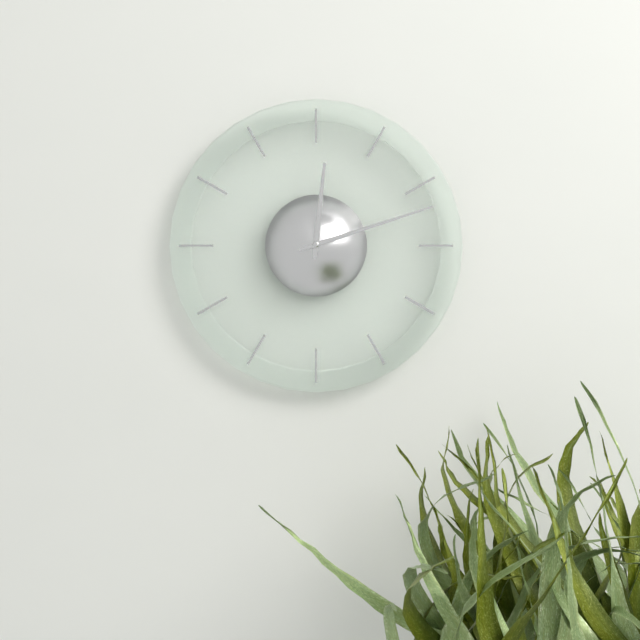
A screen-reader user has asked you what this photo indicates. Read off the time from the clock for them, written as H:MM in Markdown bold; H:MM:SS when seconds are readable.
**12:12**
